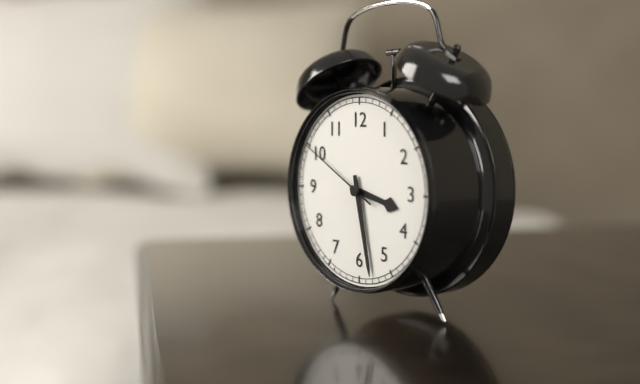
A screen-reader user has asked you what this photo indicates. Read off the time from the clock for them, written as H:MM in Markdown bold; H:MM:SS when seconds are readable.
**3:28:50**
